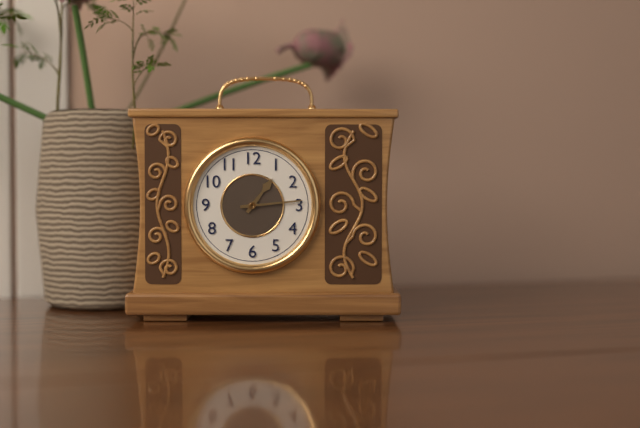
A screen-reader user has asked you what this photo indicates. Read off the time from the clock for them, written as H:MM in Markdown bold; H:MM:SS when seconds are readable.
**1:14**
